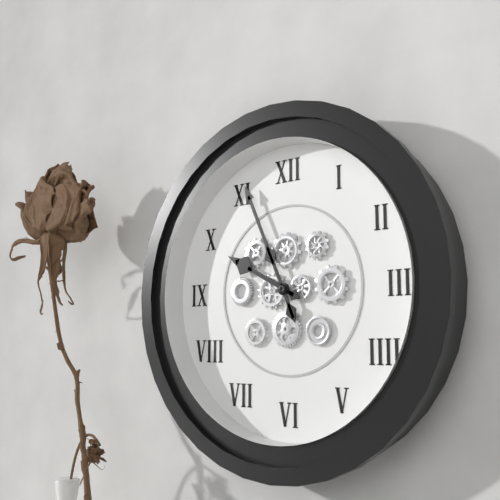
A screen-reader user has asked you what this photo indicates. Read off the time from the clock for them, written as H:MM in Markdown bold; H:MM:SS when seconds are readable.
**9:56**
